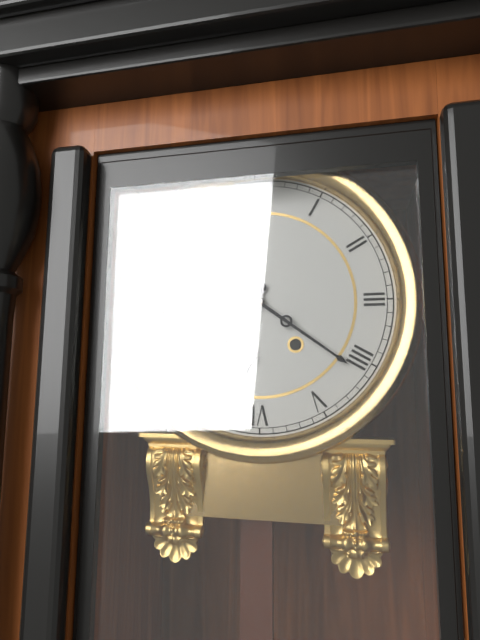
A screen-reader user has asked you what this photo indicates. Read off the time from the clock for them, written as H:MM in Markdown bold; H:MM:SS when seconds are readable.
**6:21**
